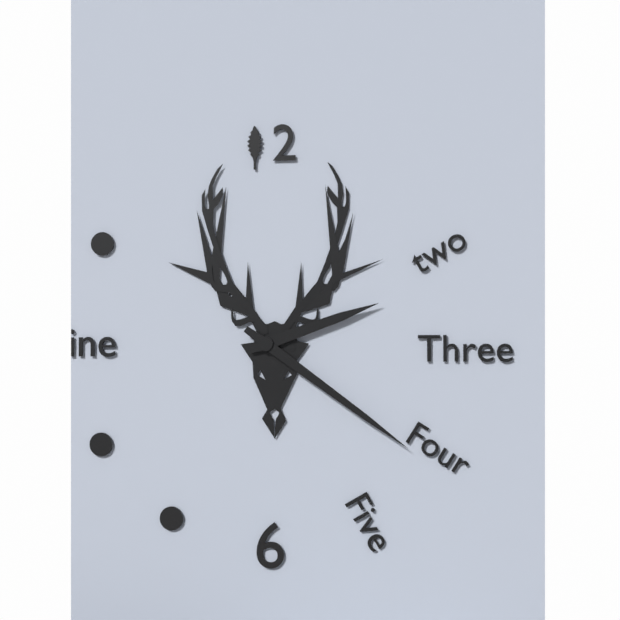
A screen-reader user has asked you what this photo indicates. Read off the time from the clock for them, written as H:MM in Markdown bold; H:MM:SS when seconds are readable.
**2:21**
